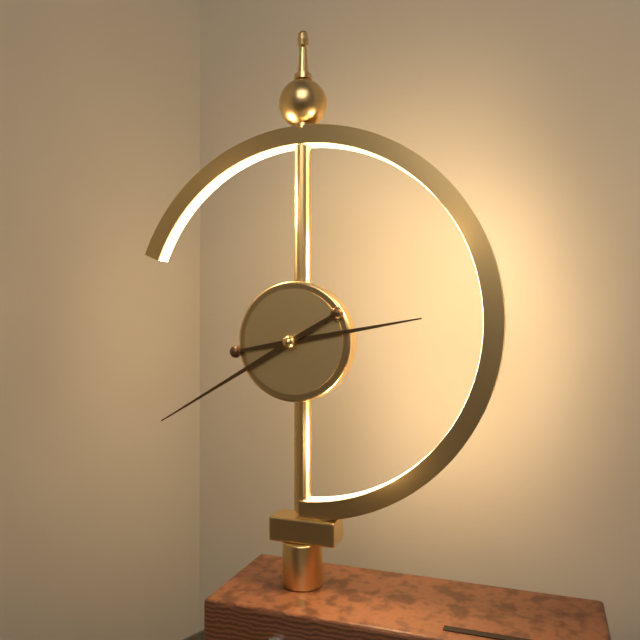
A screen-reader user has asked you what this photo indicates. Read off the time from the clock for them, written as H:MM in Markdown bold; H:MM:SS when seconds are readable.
**2:40**
